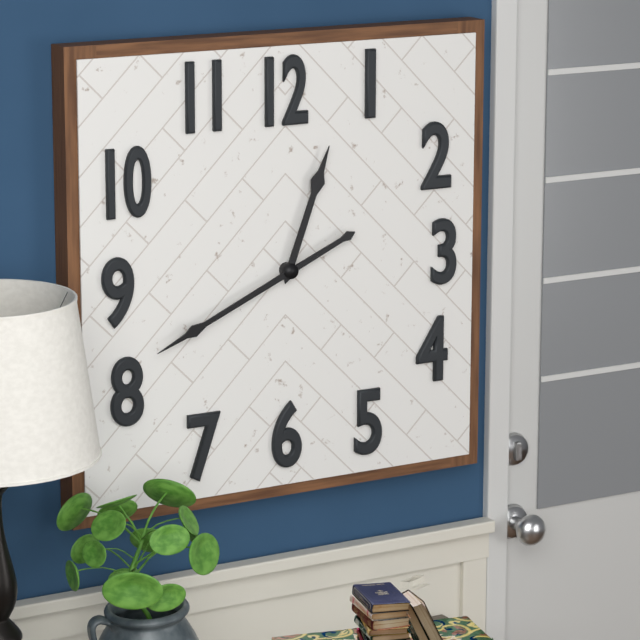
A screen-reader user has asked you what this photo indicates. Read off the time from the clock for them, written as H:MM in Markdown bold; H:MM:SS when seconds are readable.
**12:41**
